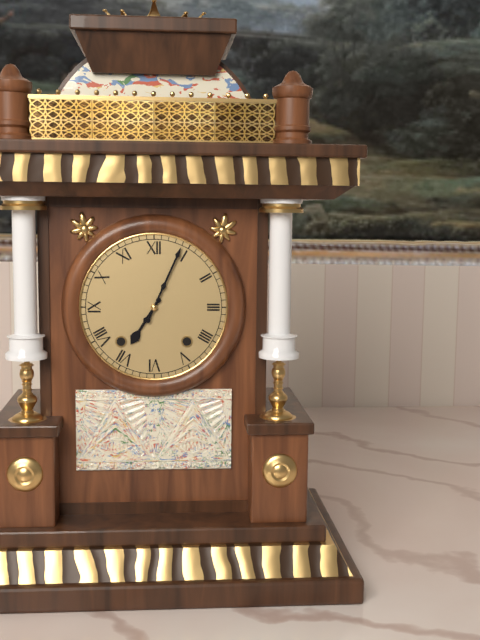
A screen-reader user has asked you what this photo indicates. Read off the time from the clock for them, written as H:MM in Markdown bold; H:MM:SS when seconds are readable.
**7:04**
